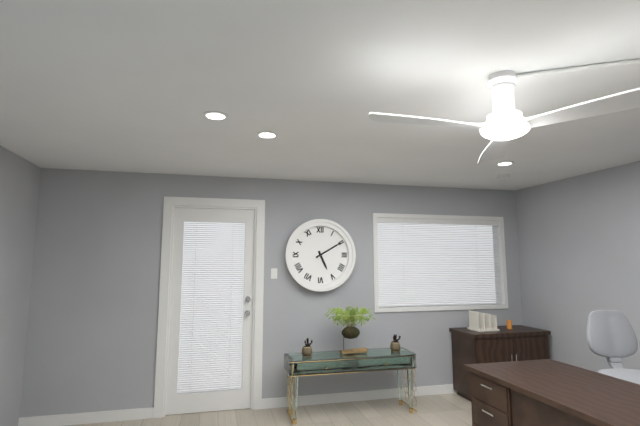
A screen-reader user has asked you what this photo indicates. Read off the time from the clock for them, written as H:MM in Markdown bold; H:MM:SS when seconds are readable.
**5:10**
